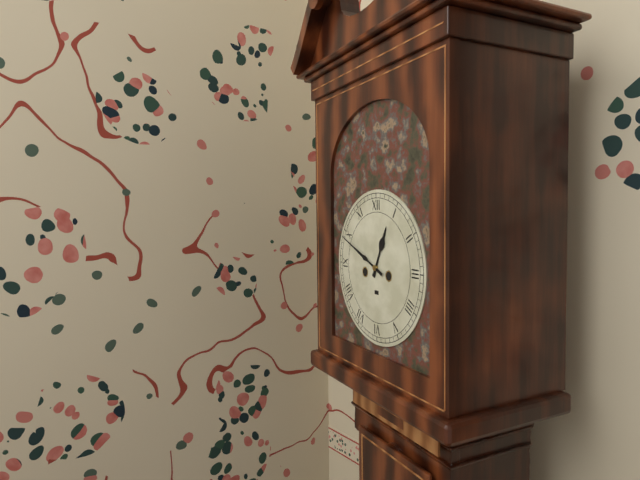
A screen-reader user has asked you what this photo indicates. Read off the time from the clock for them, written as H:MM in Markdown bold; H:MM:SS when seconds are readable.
**12:49**
